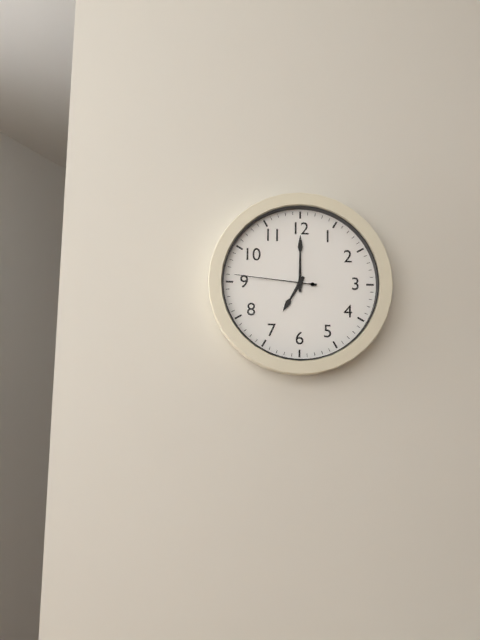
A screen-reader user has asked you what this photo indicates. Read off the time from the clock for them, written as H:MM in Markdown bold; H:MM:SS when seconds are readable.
**7:00:46**
